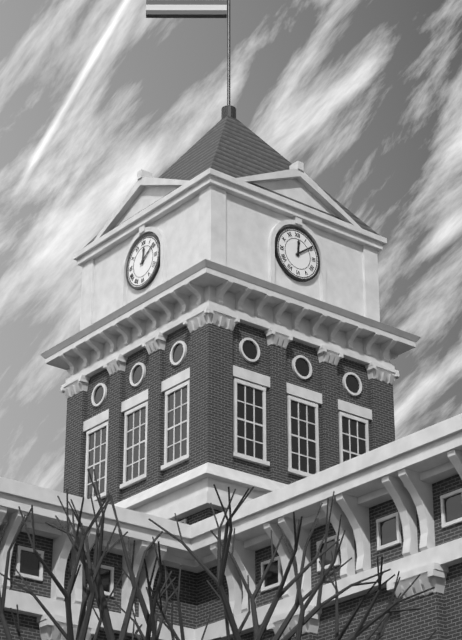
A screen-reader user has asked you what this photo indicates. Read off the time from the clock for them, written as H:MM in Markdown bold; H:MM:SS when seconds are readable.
**12:09**
